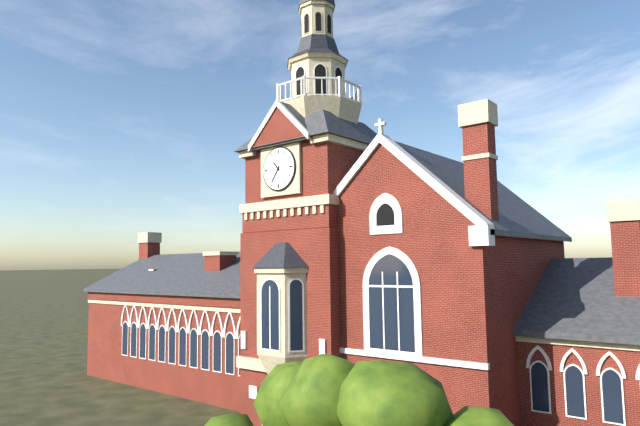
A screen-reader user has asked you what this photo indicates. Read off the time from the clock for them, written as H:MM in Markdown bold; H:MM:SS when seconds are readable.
**10:36**
